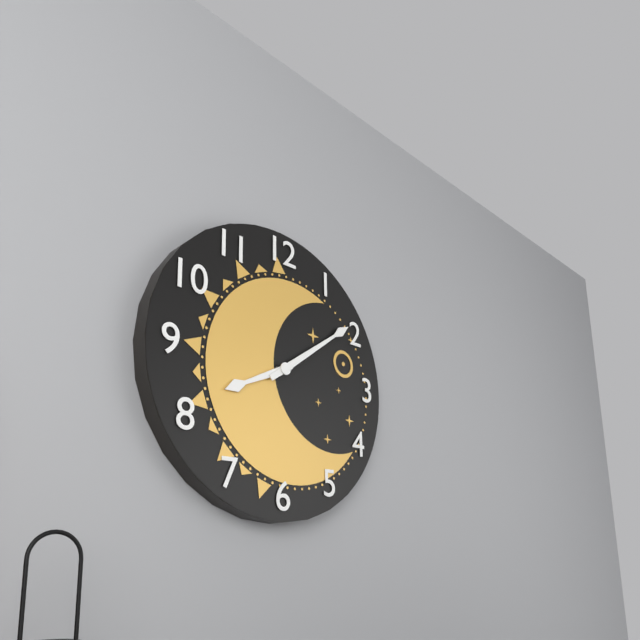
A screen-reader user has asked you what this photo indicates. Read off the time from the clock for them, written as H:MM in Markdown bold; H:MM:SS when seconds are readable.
**8:09**
